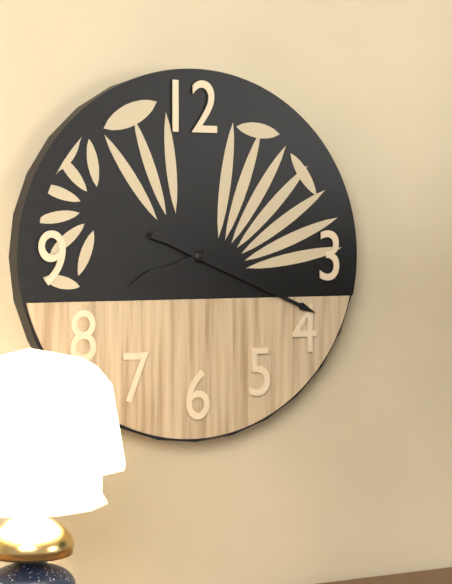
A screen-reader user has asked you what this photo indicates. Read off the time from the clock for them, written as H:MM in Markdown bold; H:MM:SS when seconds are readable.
**8:19**
